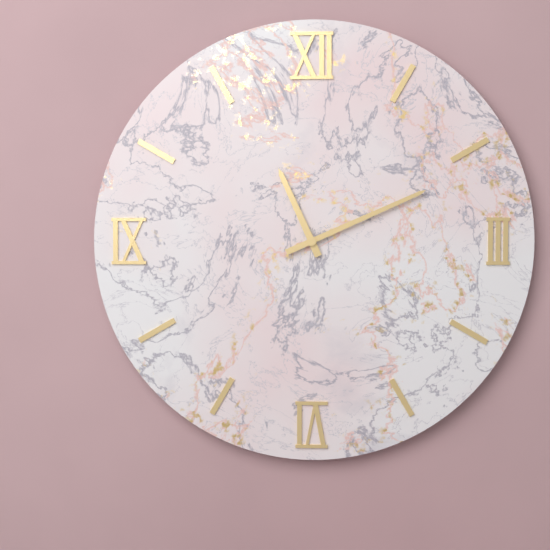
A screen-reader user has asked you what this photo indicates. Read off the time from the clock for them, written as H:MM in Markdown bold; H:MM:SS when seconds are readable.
**11:11**
